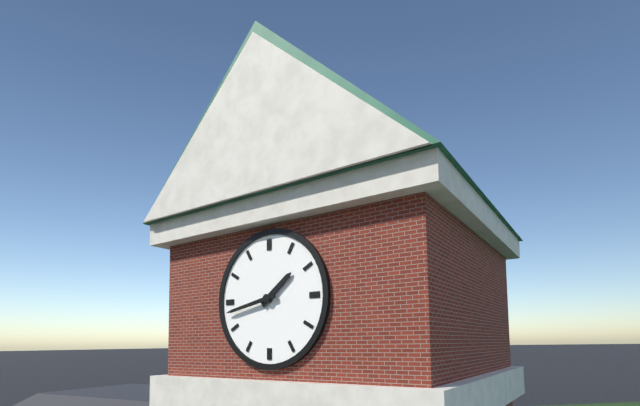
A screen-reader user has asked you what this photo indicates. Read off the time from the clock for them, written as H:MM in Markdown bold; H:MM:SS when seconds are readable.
**1:43**
